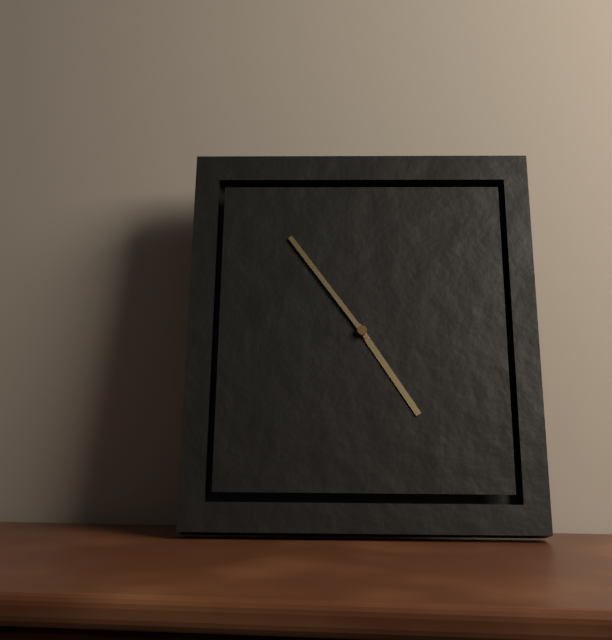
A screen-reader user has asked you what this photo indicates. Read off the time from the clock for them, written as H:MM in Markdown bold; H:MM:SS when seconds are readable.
**4:54**
